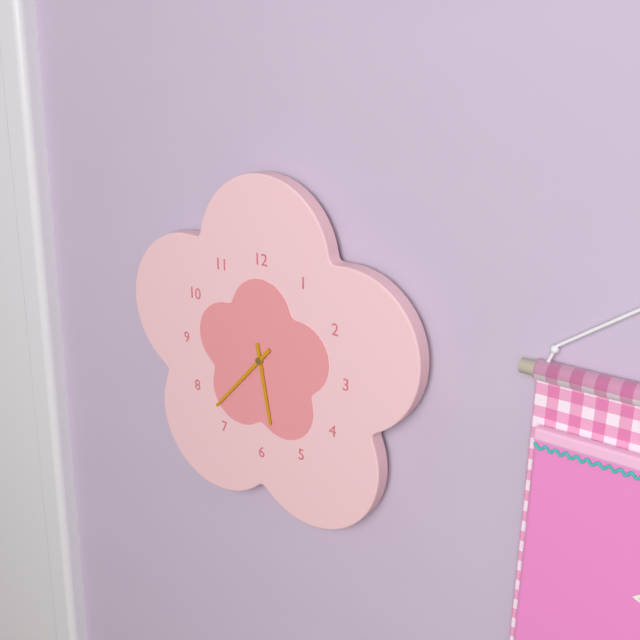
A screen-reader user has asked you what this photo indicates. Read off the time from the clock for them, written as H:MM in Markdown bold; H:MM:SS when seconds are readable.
**5:37**
